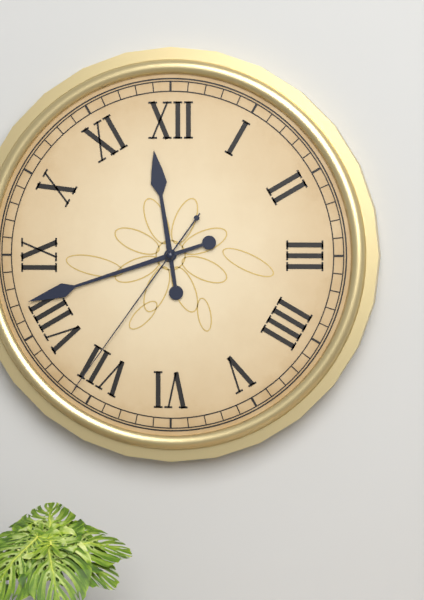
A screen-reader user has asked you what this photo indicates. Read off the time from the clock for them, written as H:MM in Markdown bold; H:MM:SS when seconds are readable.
**11:42:36**
